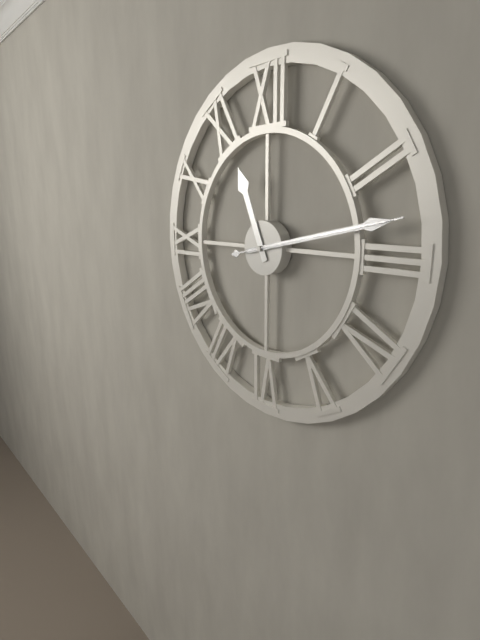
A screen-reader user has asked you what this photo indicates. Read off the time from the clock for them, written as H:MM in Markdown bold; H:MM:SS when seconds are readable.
**11:13:13**
